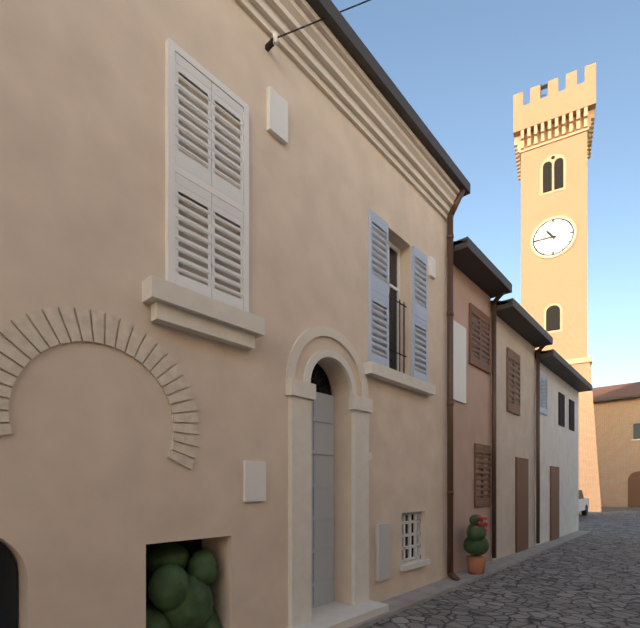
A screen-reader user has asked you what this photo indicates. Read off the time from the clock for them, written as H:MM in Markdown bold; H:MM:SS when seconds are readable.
**10:45**
